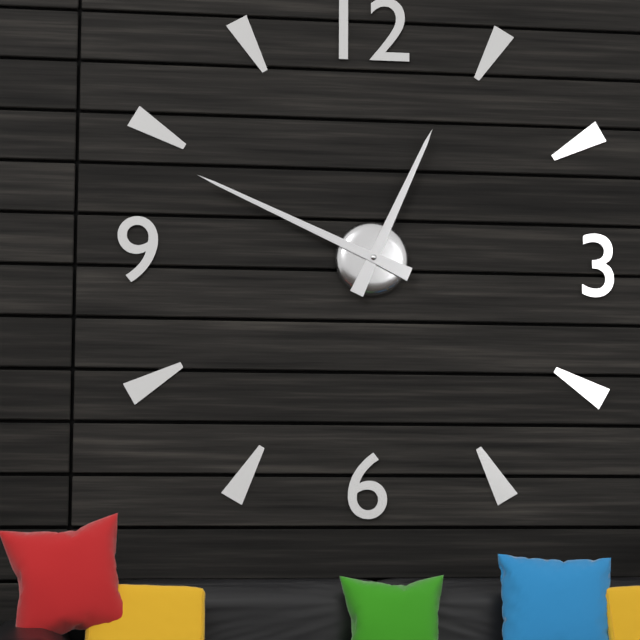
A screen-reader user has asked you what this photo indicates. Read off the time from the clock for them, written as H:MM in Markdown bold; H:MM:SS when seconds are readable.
**12:49**
